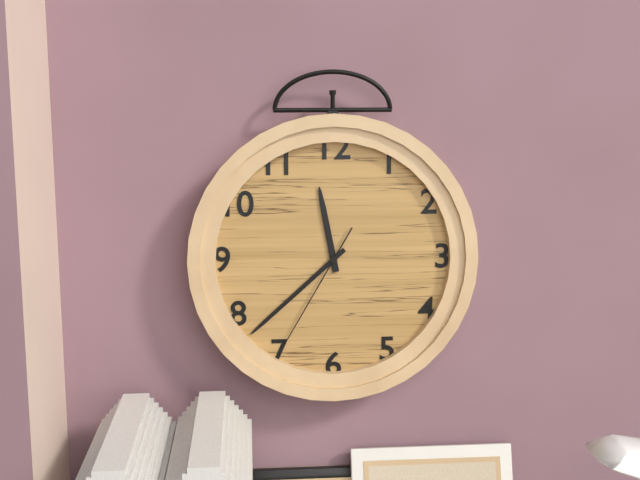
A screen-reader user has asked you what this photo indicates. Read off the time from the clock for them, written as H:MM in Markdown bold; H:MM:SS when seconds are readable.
**11:38:35**
